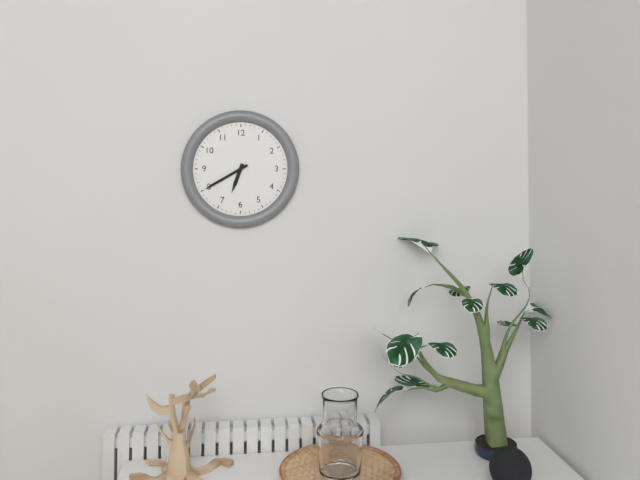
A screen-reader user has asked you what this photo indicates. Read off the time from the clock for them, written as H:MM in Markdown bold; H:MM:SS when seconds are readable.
**6:40**
